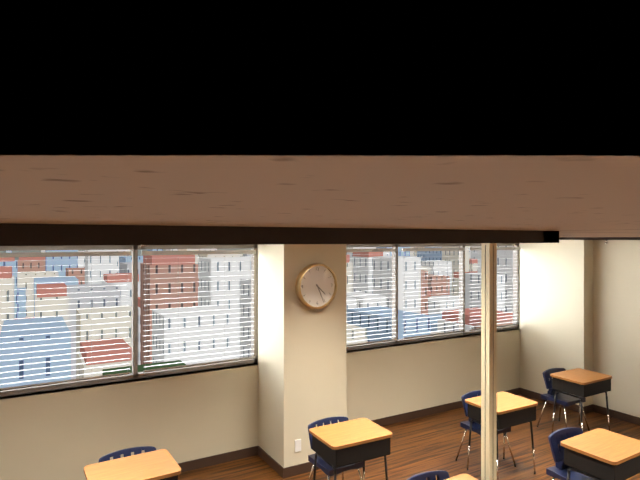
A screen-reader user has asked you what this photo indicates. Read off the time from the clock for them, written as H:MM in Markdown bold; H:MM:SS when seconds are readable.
**4:26**
